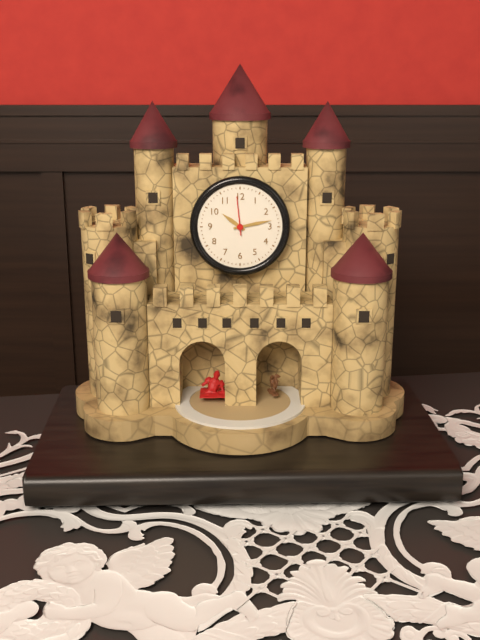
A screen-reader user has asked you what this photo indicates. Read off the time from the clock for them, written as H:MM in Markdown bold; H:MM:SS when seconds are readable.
**10:13**
